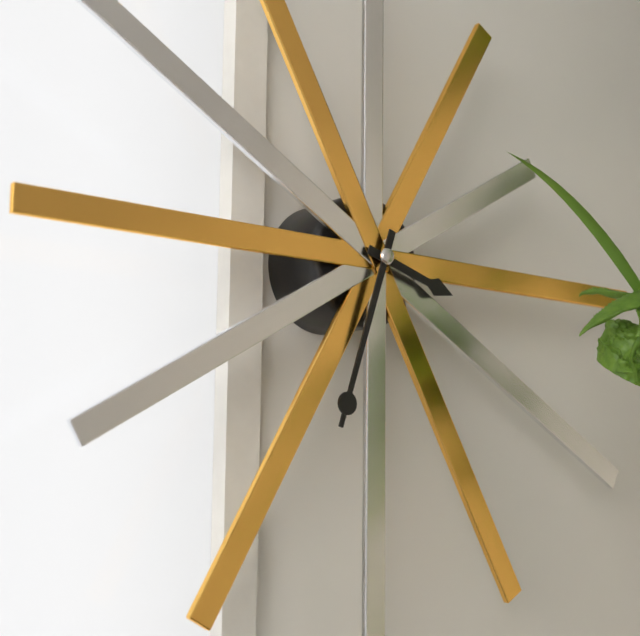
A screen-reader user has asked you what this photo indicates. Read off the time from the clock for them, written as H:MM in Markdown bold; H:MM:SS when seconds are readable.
**3:33**
